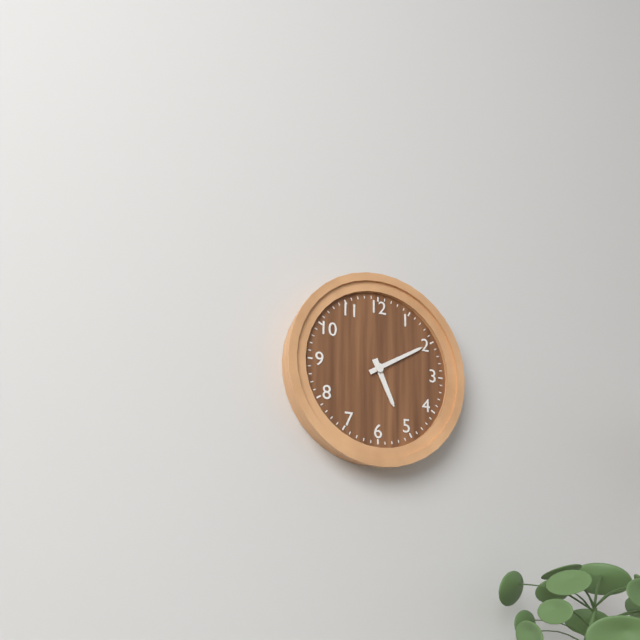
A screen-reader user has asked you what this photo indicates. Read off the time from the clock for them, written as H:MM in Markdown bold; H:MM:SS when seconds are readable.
**5:10**
